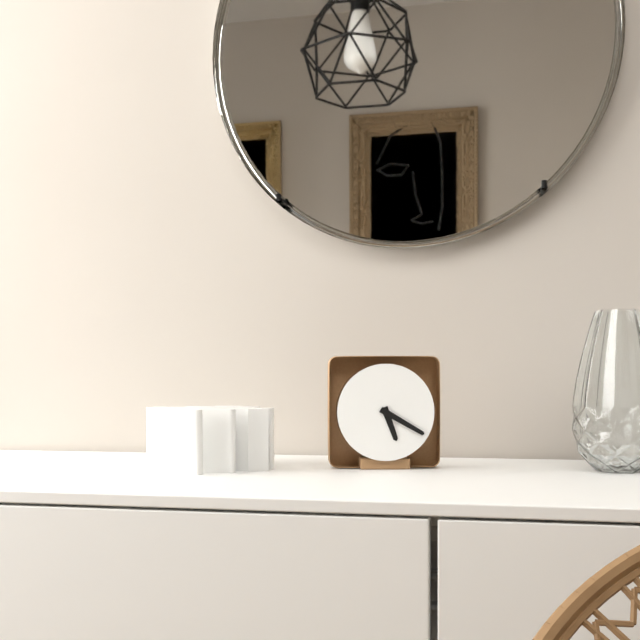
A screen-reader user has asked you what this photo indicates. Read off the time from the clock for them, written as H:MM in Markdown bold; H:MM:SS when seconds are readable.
**5:20**
